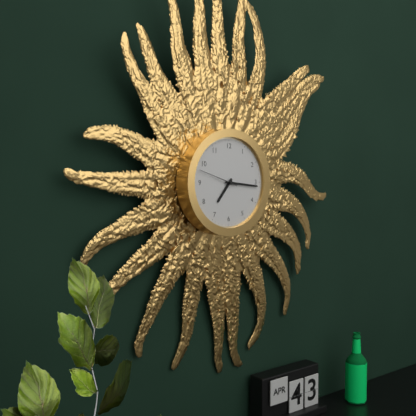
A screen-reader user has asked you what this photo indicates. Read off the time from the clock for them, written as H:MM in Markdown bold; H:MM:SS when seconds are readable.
**7:16**
